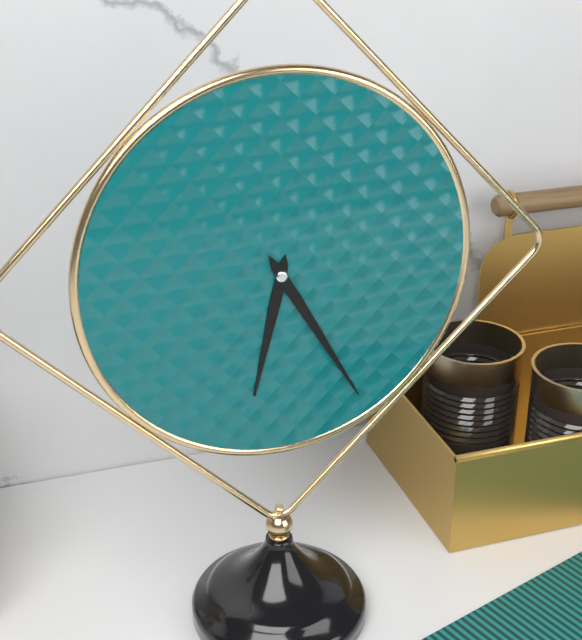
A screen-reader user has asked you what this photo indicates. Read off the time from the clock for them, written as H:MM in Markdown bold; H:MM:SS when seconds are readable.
**6:25**
